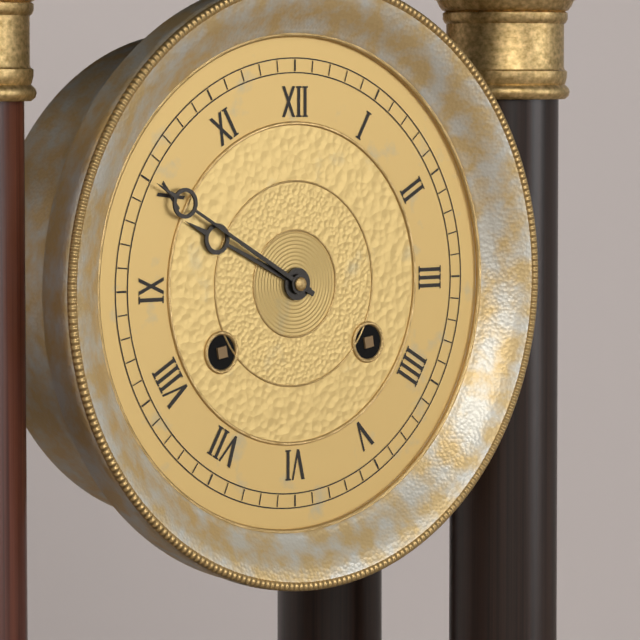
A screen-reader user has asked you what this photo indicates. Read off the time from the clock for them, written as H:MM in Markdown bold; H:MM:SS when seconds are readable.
**9:50**
